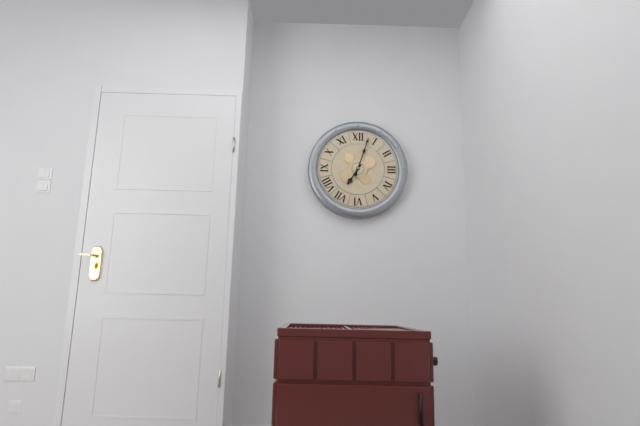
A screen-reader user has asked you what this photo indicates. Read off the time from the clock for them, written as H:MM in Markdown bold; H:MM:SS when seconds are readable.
**7:03**
